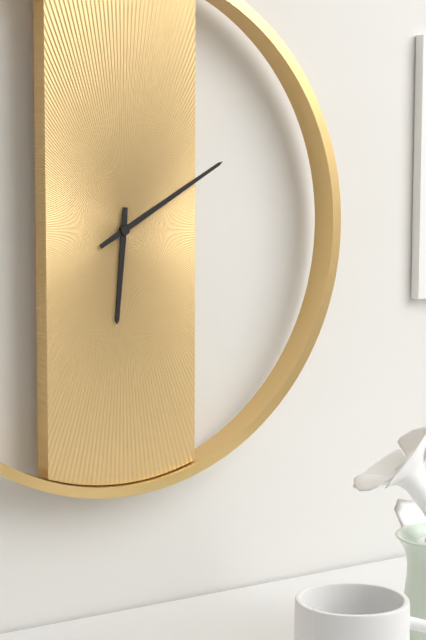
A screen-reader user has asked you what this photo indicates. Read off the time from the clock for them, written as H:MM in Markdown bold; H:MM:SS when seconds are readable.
**6:10**
